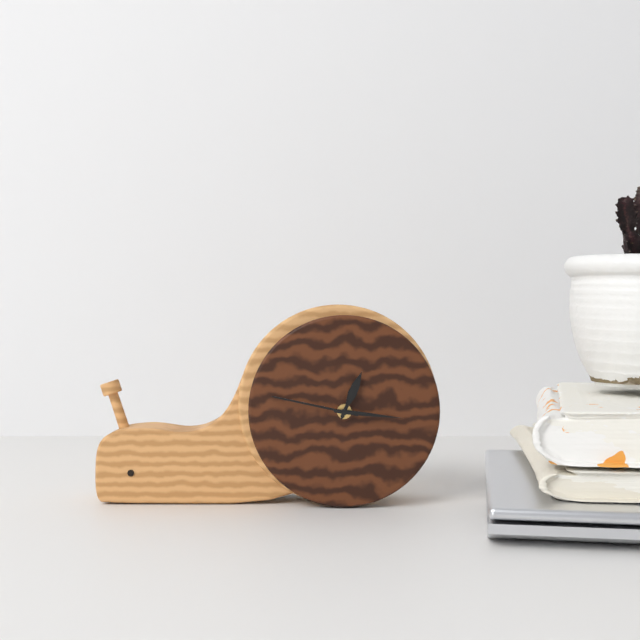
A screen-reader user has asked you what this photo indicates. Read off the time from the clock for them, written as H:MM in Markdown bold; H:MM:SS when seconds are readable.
**12:47:16**
